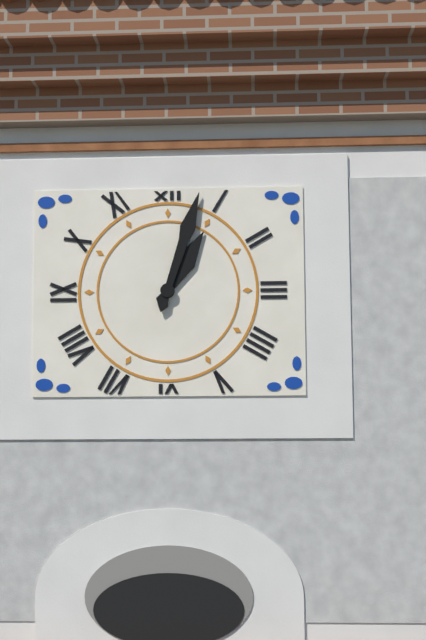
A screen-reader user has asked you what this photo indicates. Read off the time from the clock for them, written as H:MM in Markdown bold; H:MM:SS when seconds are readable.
**1:03**
